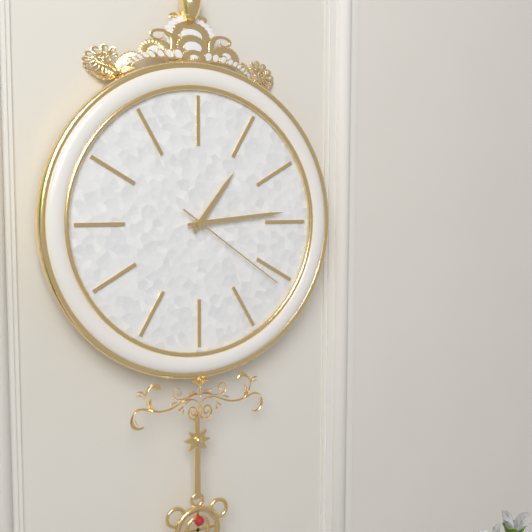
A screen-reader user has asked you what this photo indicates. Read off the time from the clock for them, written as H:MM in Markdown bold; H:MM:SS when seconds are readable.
**1:14:21**
